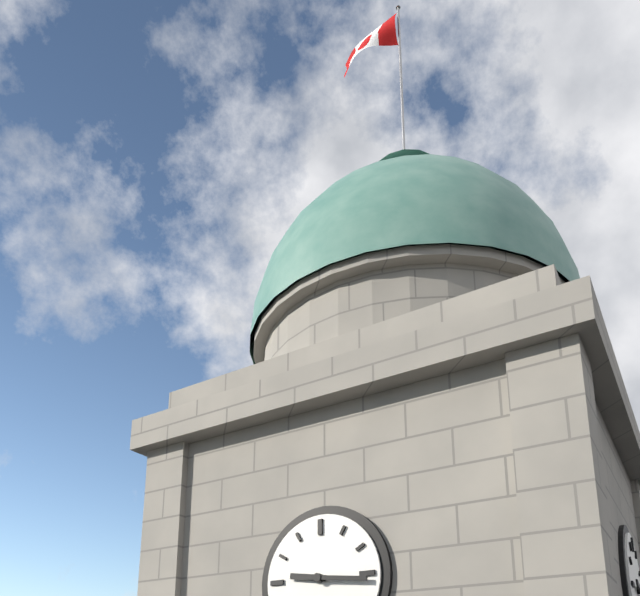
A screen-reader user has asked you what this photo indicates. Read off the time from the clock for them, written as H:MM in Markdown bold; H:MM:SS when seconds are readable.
**9:16**
